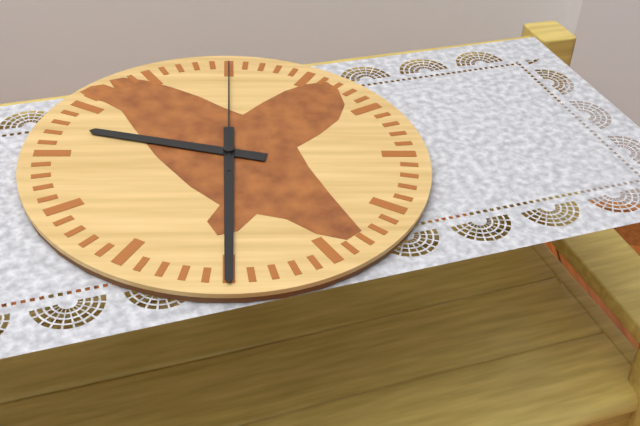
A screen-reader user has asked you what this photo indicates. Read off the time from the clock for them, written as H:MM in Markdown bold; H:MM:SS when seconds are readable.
**9:30:00**
